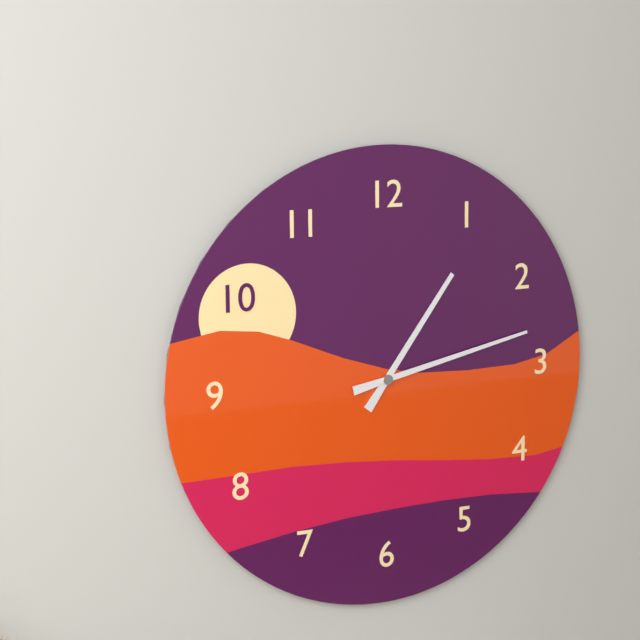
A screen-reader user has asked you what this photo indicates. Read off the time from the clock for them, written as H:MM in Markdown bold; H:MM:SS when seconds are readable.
**1:13**
